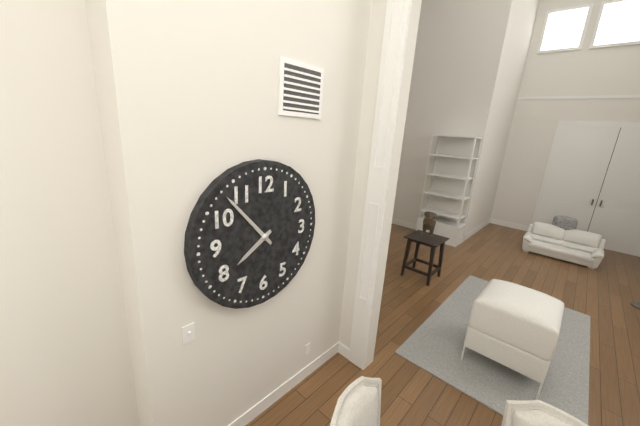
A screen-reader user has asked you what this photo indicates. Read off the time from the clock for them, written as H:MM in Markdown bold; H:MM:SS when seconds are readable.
**7:53**
